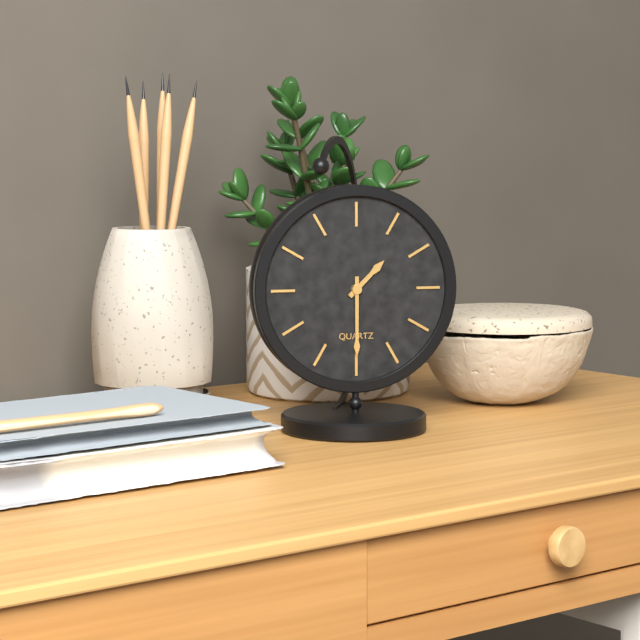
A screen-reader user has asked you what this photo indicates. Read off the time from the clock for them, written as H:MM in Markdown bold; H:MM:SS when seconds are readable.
**1:30**
